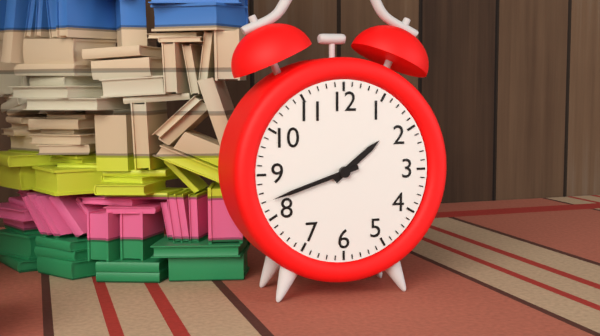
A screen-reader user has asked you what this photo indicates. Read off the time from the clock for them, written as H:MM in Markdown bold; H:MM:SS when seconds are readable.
**1:42**
